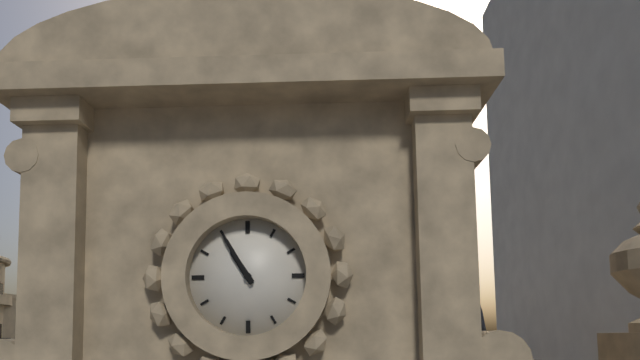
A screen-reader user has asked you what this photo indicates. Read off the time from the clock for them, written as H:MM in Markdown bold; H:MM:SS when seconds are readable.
**10:55**
